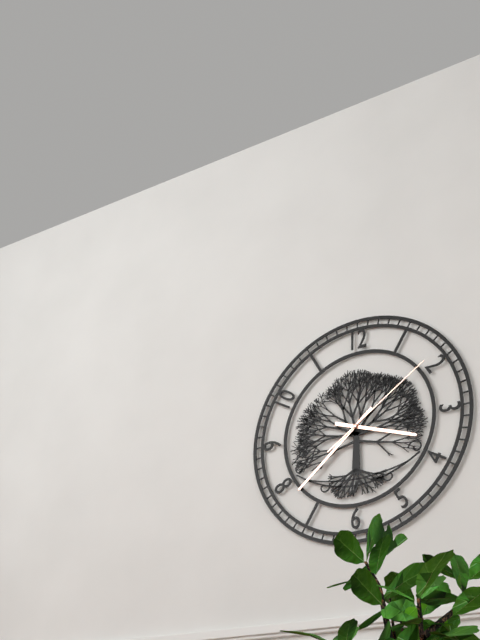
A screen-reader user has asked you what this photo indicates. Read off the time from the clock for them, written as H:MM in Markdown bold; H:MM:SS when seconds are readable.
**3:38:09**
